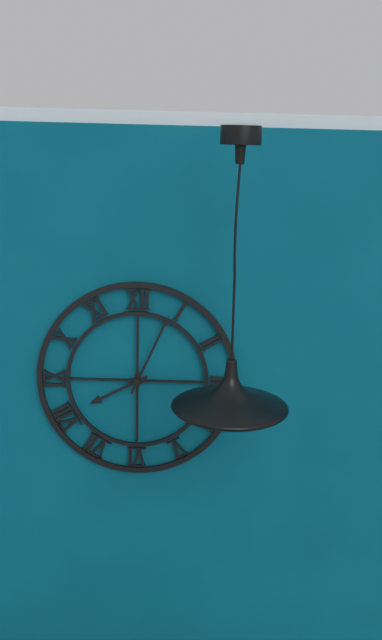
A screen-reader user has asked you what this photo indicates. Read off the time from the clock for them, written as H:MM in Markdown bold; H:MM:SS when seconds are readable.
**8:04**
